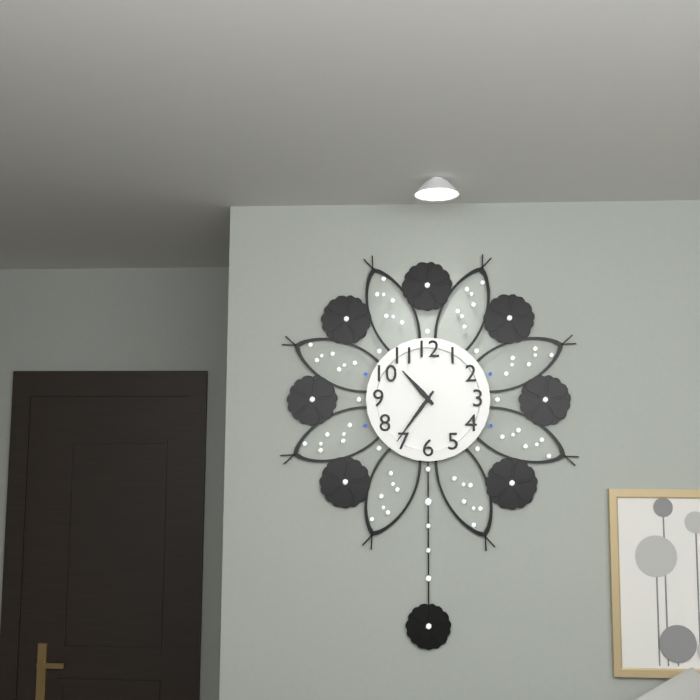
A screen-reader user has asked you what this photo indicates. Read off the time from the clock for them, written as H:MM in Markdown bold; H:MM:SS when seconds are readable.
**10:36**
